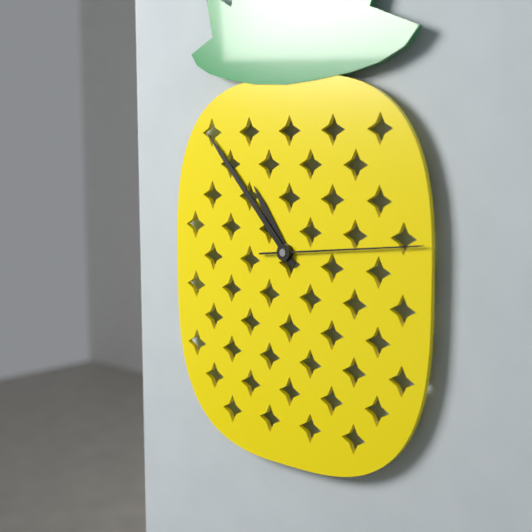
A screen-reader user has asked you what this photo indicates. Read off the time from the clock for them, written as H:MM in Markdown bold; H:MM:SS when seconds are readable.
**10:53:14**
